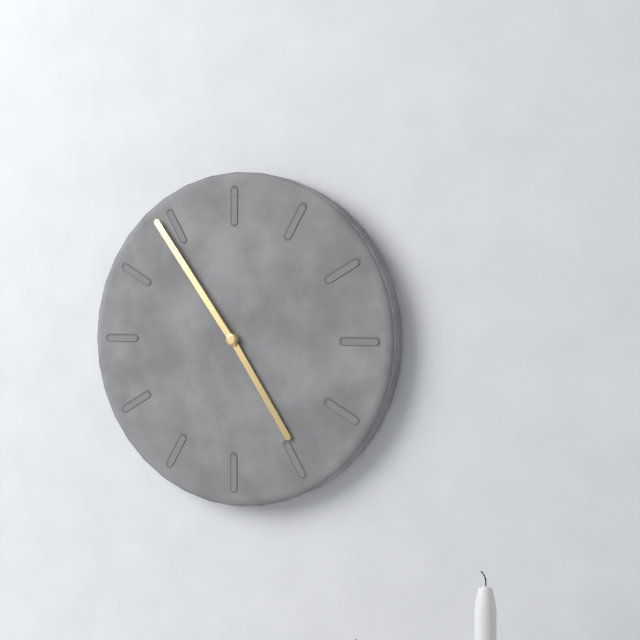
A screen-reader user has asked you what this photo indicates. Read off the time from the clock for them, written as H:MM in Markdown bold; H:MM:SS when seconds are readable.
**4:54**
